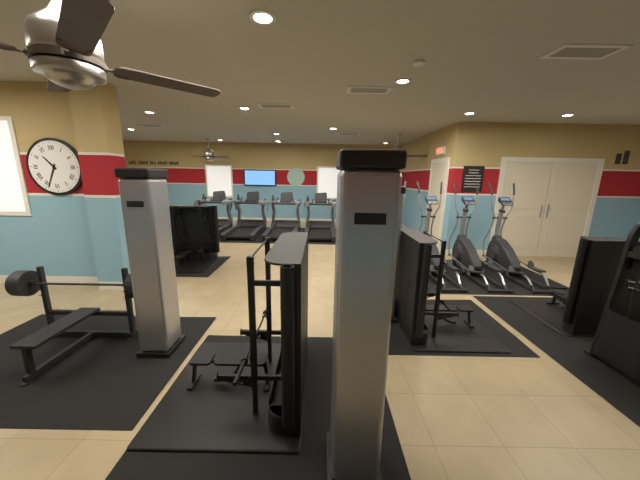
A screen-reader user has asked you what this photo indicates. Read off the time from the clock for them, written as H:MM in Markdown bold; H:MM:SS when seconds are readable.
**10:34**
